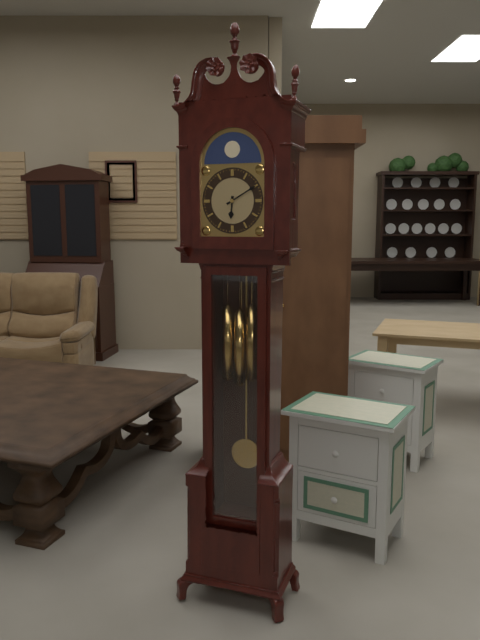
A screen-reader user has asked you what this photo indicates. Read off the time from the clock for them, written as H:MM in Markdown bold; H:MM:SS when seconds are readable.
**6:10**
